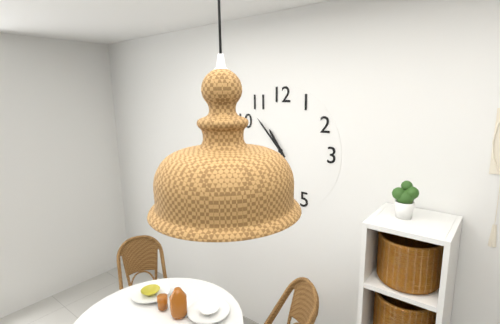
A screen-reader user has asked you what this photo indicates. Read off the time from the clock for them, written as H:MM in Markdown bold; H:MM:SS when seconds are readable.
**10:53**
